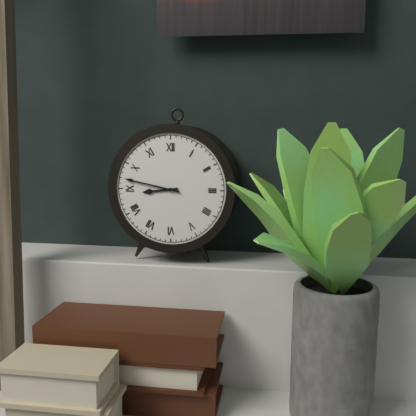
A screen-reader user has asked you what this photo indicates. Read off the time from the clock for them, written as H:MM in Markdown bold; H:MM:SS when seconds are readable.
**8:47**
